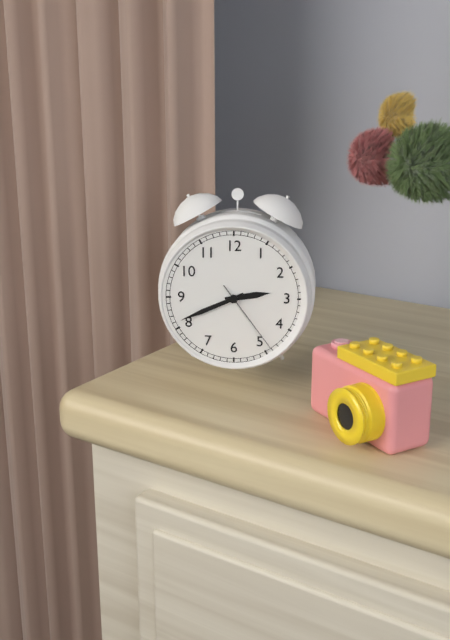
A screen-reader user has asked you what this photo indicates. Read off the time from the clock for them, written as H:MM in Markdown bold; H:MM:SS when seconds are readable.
**2:41:24**
